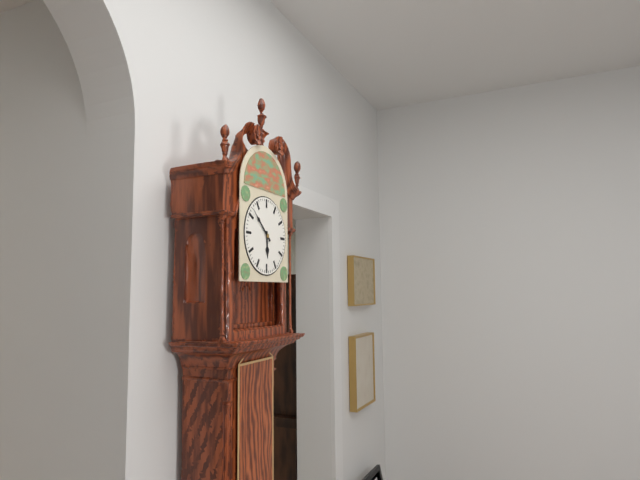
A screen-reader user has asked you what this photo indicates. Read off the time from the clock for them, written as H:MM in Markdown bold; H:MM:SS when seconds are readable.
**5:52**
